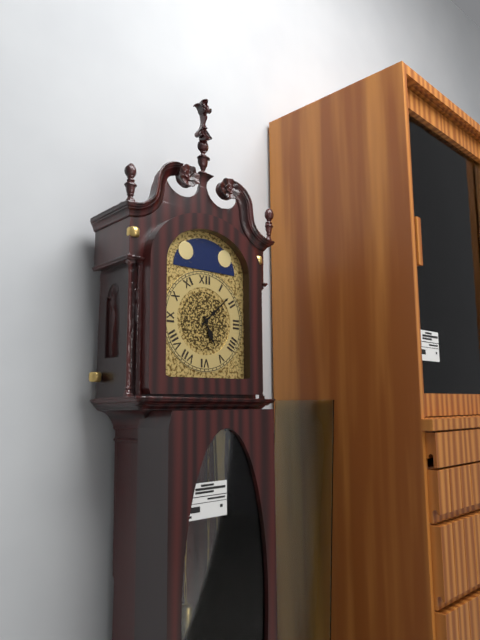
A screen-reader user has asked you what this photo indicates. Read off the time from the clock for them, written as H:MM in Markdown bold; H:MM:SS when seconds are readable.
**5:08**
